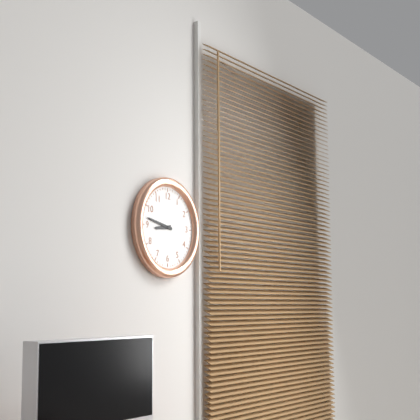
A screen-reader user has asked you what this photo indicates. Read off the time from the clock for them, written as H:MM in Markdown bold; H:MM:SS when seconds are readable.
**8:47**
